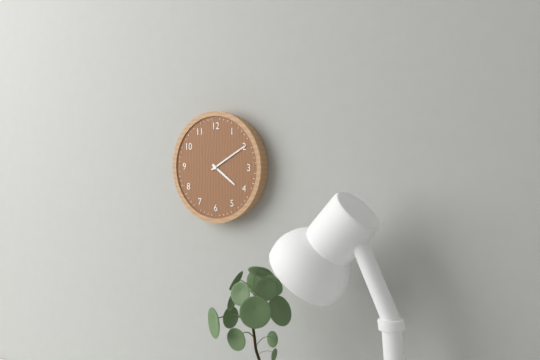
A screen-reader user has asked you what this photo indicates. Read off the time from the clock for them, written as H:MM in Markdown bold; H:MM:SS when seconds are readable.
**4:10**
